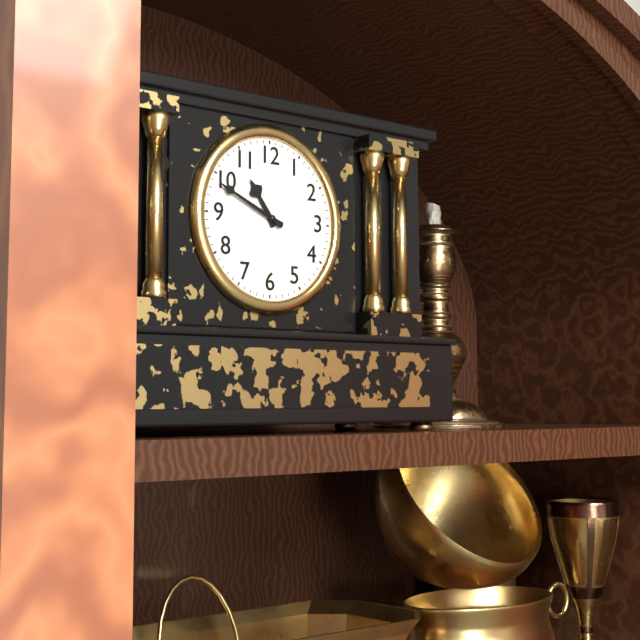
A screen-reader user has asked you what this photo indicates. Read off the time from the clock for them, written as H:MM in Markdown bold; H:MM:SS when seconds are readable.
**10:49**
